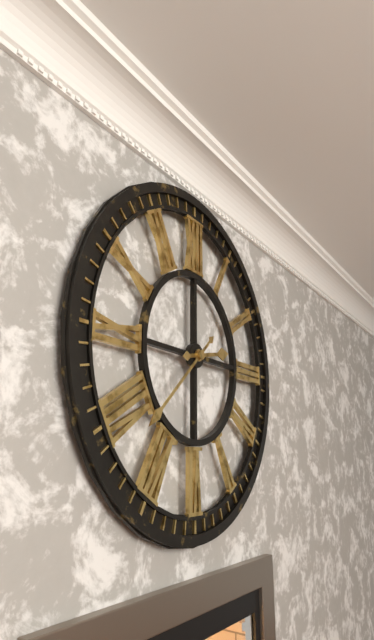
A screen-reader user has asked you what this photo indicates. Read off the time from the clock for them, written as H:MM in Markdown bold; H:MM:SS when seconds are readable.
**2:38**
